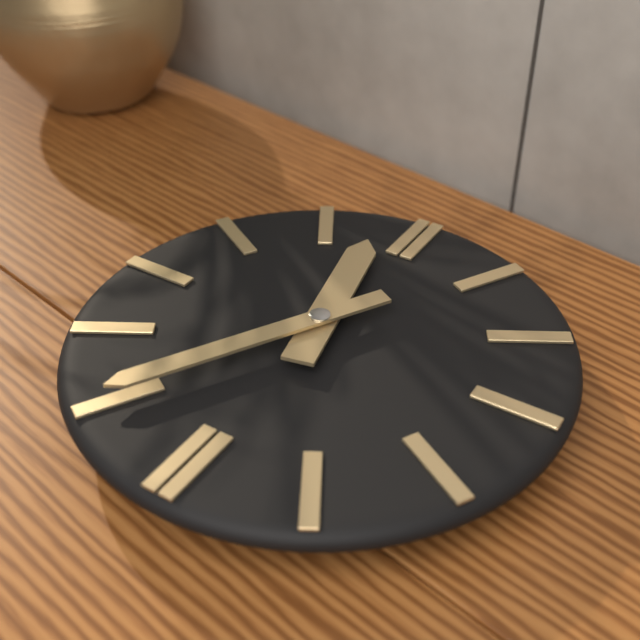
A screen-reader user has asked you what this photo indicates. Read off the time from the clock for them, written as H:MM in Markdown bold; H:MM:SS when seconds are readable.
**11:35**
